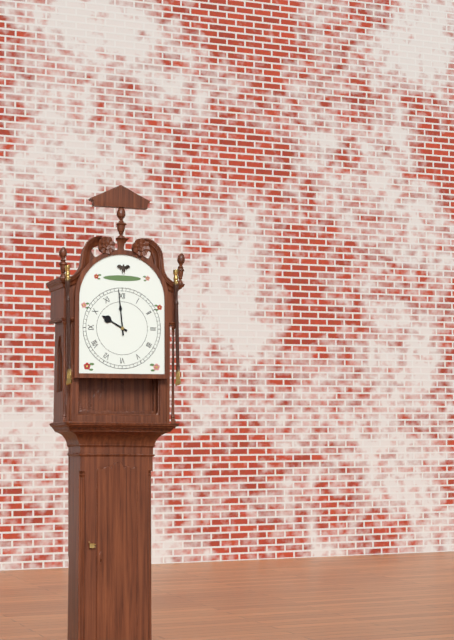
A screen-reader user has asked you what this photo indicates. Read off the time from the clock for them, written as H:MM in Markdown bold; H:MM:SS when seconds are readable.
**9:59**
